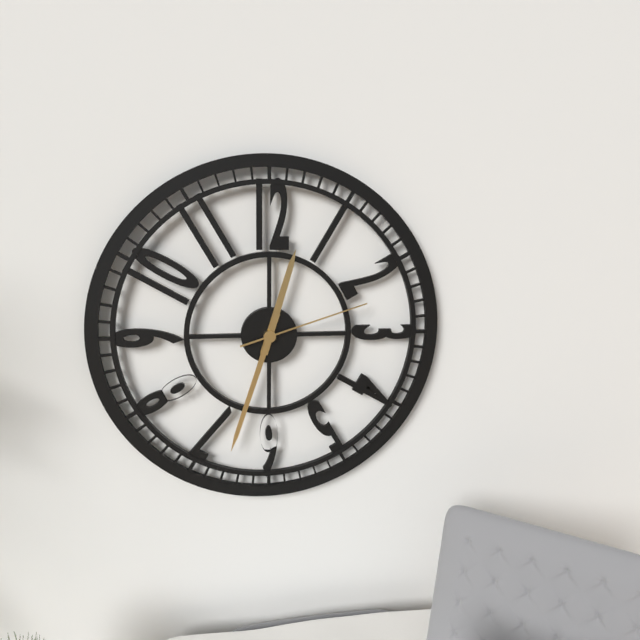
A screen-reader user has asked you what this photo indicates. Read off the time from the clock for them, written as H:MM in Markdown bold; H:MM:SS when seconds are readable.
**12:33:12**
